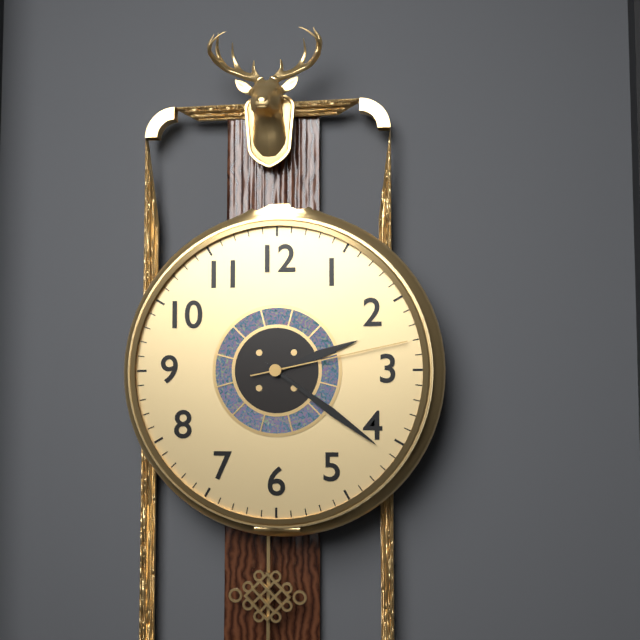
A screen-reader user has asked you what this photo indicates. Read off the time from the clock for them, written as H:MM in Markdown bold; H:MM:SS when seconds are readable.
**2:21:13**
